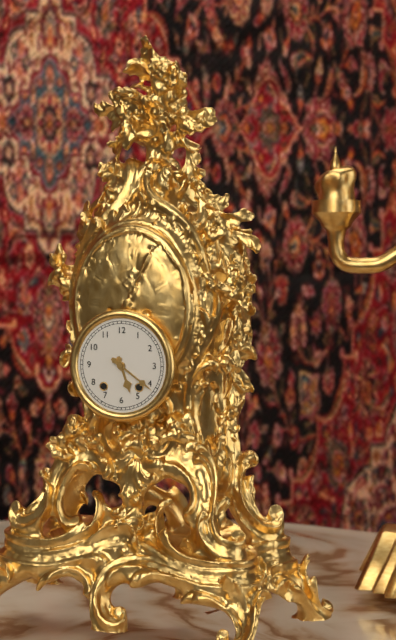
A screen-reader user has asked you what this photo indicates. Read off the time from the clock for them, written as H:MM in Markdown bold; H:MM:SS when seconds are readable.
**5:21**
